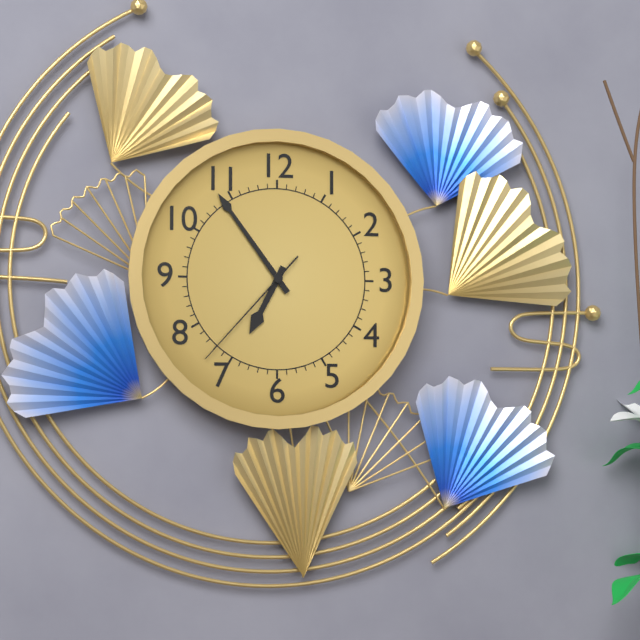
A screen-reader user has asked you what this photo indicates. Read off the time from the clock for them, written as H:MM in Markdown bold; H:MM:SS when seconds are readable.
**6:54:37**
